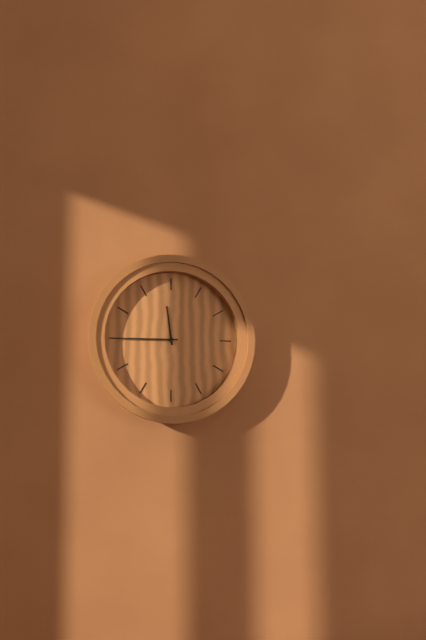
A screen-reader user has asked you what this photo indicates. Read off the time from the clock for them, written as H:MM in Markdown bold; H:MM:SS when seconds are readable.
**11:45**
